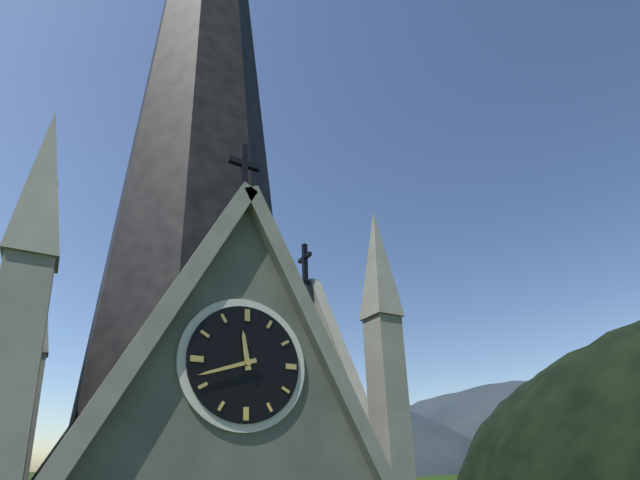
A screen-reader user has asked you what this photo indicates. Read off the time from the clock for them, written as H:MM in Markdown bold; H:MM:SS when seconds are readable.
**11:42**
